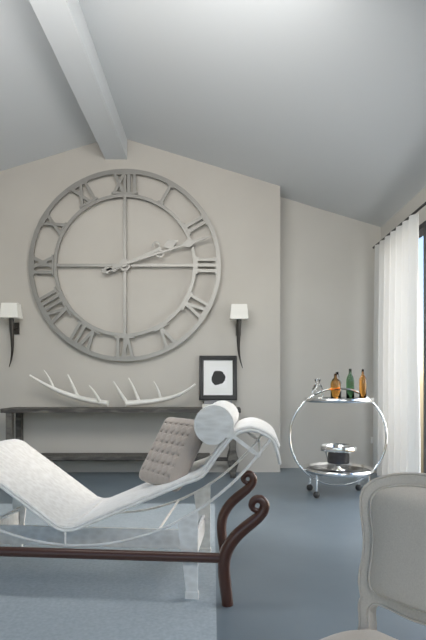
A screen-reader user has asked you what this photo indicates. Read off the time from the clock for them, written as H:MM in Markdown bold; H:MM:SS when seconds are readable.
**2:12**
